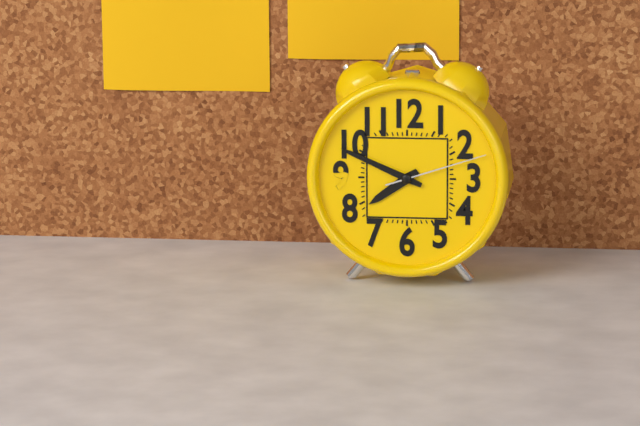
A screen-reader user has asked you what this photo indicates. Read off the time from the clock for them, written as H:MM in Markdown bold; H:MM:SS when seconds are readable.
**7:49:12**
